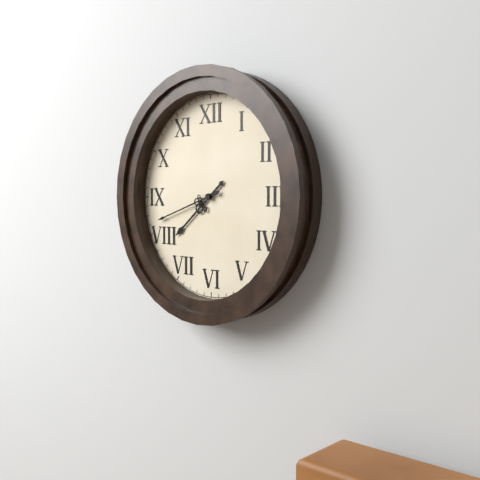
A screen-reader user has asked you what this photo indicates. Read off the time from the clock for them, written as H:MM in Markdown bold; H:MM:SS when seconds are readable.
**7:42**
